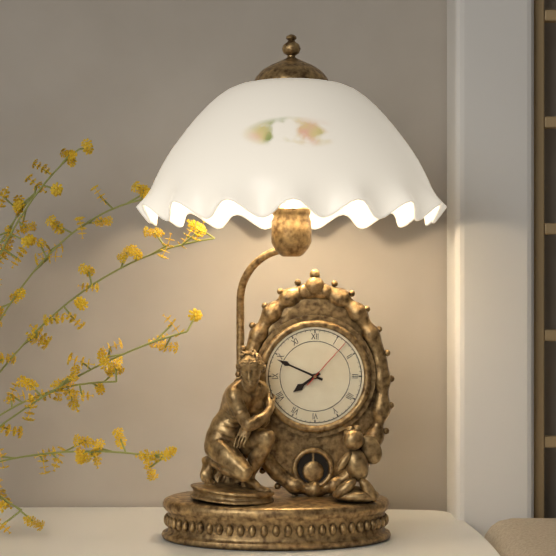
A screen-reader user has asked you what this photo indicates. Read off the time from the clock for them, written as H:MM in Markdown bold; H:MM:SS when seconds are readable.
**7:49:07**
